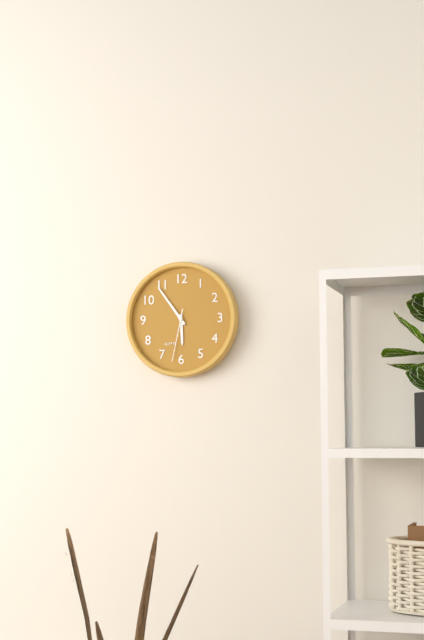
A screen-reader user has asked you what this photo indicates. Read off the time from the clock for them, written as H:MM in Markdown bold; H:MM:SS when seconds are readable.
**5:54:32**
